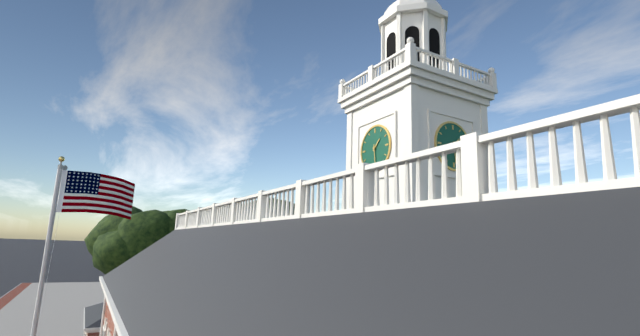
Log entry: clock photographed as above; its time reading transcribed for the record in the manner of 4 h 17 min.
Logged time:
1 h 29 min
